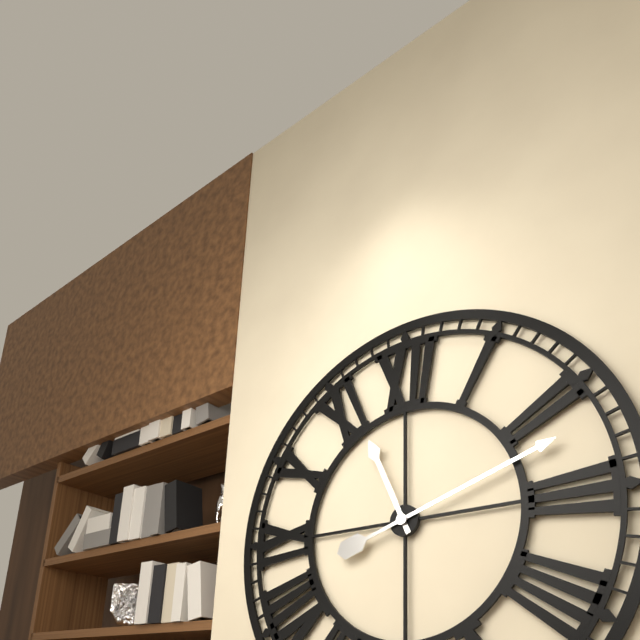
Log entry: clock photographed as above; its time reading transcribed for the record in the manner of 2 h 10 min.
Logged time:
11 h 12 min
